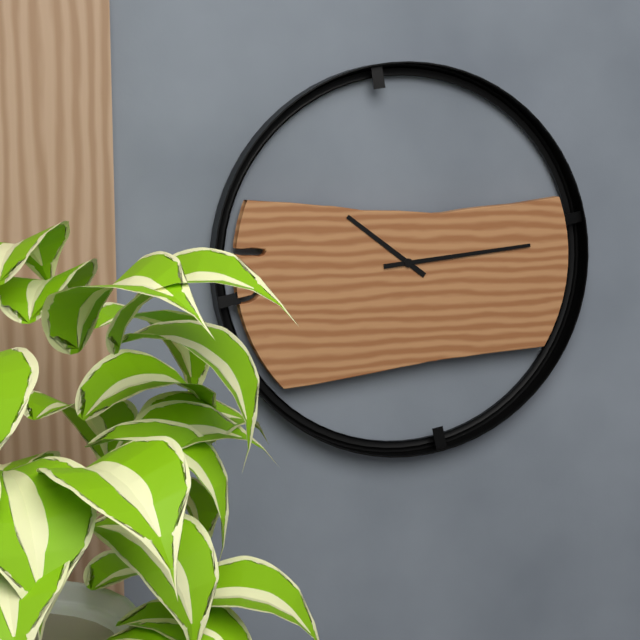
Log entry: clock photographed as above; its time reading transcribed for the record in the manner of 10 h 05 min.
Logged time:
10 h 14 min
